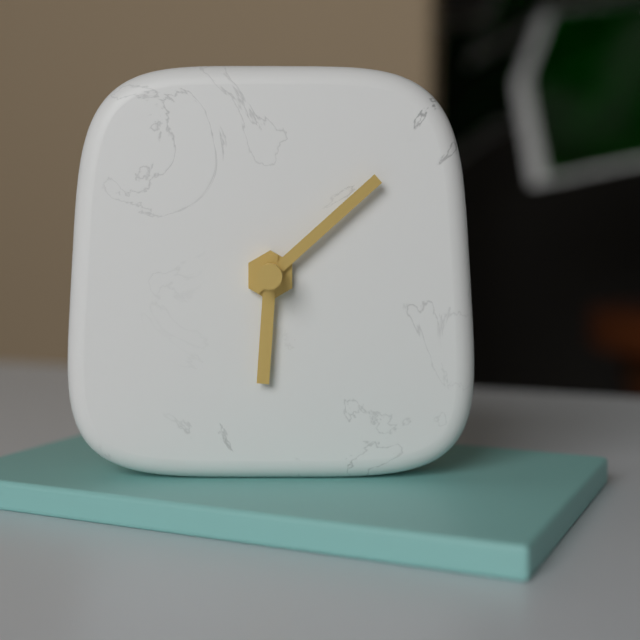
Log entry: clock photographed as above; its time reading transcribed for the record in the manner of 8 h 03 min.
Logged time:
6 h 08 min
